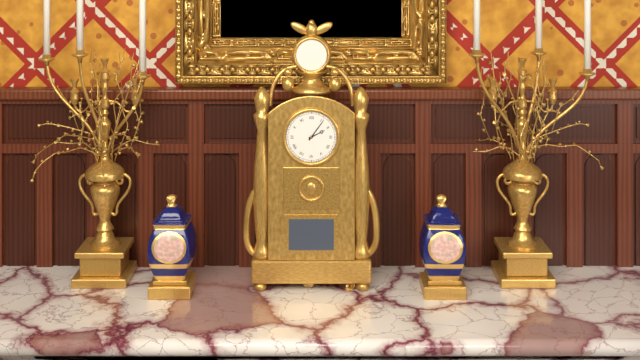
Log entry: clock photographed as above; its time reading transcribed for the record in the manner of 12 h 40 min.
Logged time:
2 h 06 min
